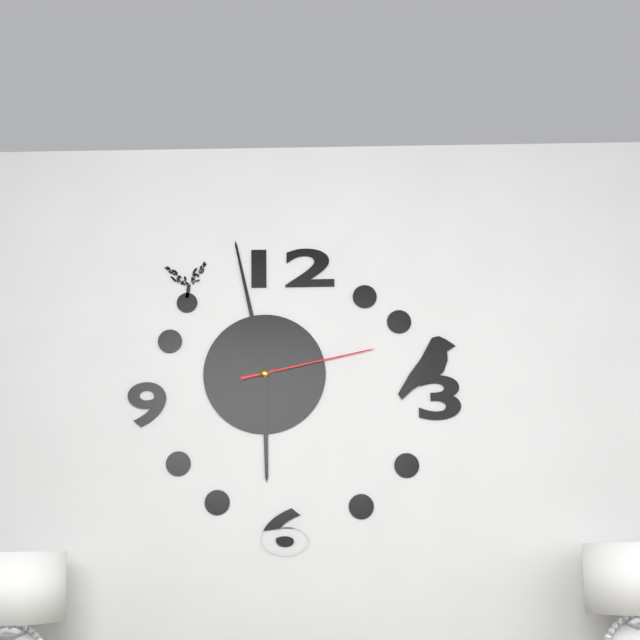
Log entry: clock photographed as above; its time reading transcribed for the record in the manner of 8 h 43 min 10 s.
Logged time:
5 h 58 min 13 s
